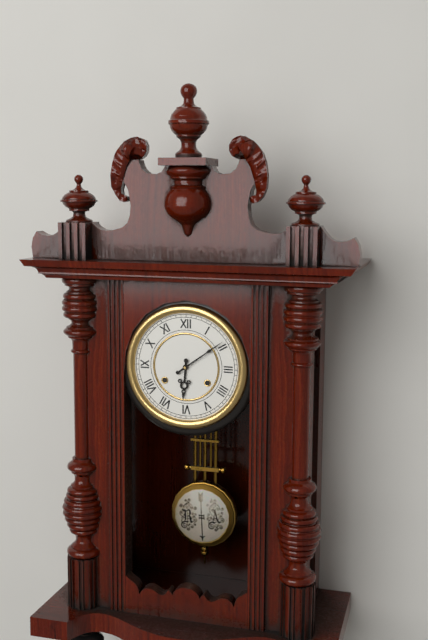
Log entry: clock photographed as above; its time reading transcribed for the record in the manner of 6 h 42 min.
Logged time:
6 h 09 min
